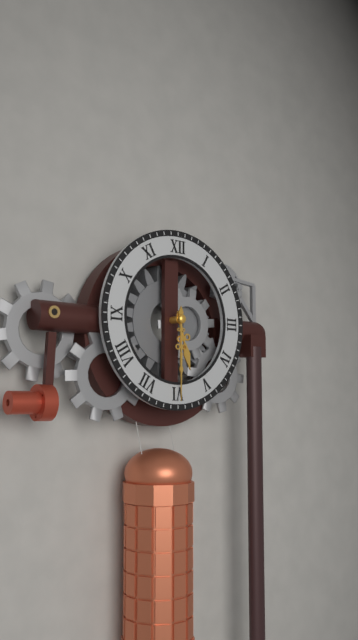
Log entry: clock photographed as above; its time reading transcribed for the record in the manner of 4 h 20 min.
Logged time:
5 h 30 min
